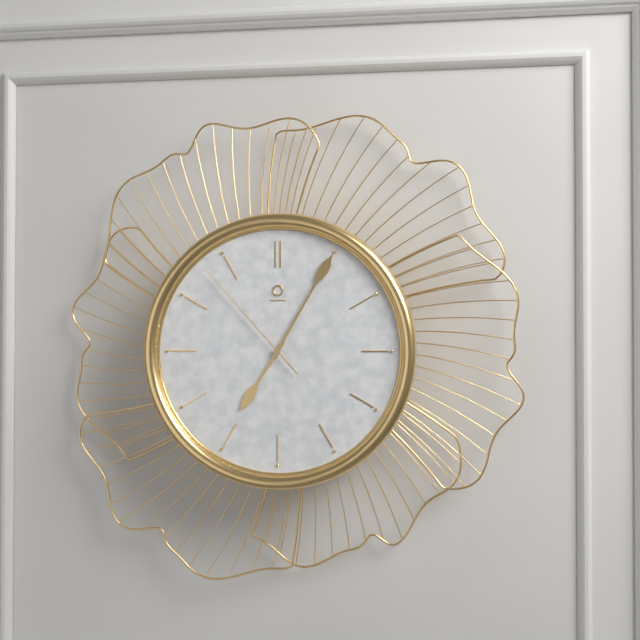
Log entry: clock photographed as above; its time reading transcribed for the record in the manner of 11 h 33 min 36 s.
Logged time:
7 h 05 min 53 s
